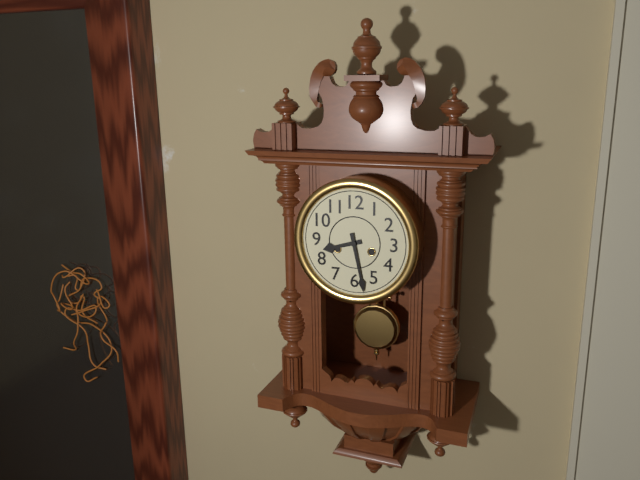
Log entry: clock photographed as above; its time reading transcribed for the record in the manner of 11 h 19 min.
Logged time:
8 h 28 min
